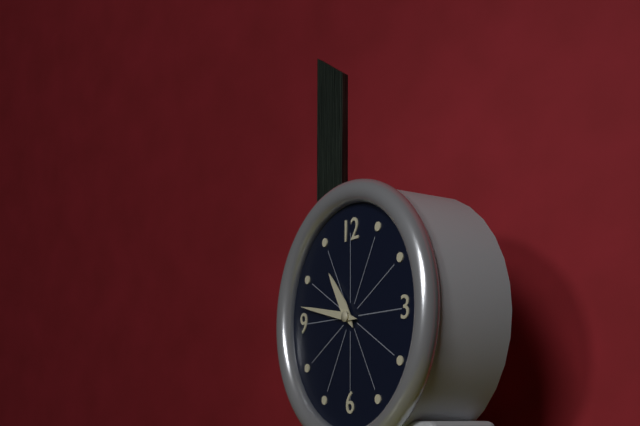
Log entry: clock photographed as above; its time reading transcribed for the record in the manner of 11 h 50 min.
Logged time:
10 h 47 min
